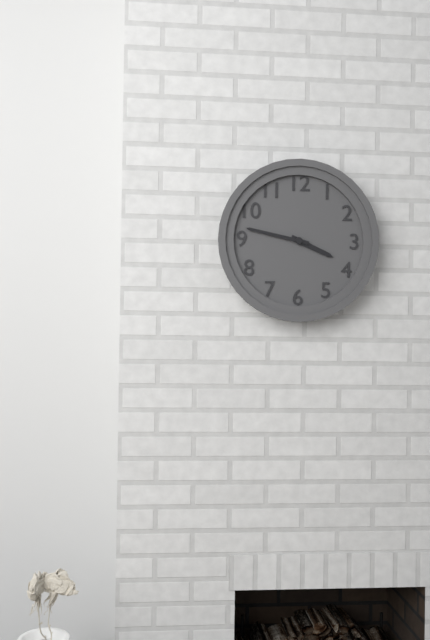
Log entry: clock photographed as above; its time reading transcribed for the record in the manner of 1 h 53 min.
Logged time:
3 h 47 min
